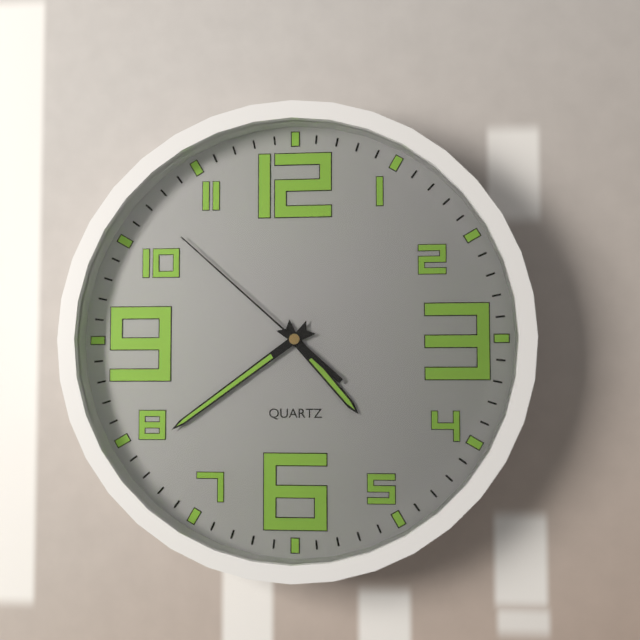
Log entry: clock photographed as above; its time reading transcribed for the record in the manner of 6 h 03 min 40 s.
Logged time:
4 h 39 min 52 s
